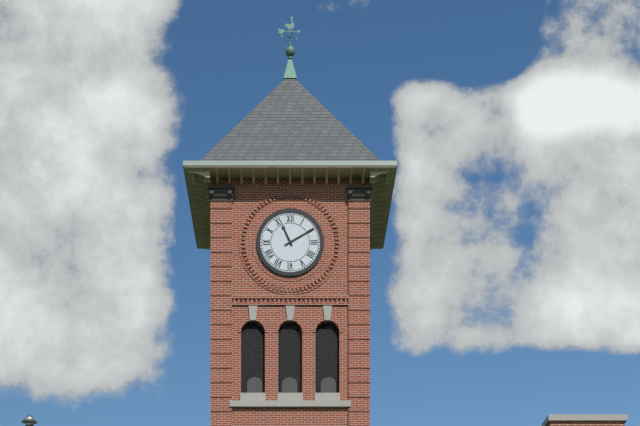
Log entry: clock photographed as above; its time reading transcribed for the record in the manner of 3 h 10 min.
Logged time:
11 h 10 min
